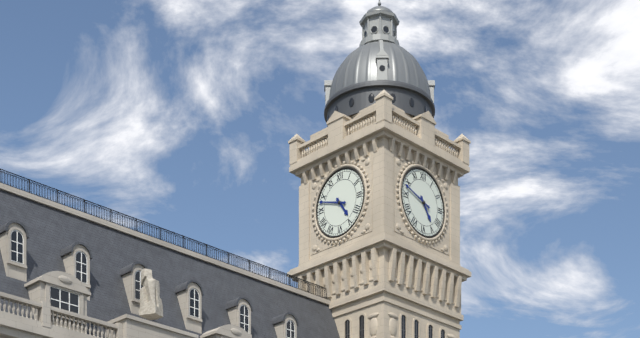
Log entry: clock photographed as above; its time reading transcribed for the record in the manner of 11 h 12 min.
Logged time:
4 h 48 min
